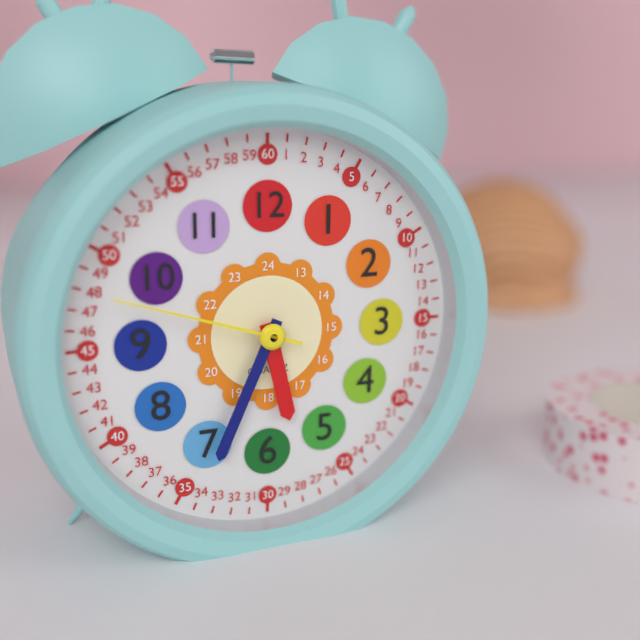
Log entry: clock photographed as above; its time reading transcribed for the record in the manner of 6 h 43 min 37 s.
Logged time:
5 h 34 min 48 s
